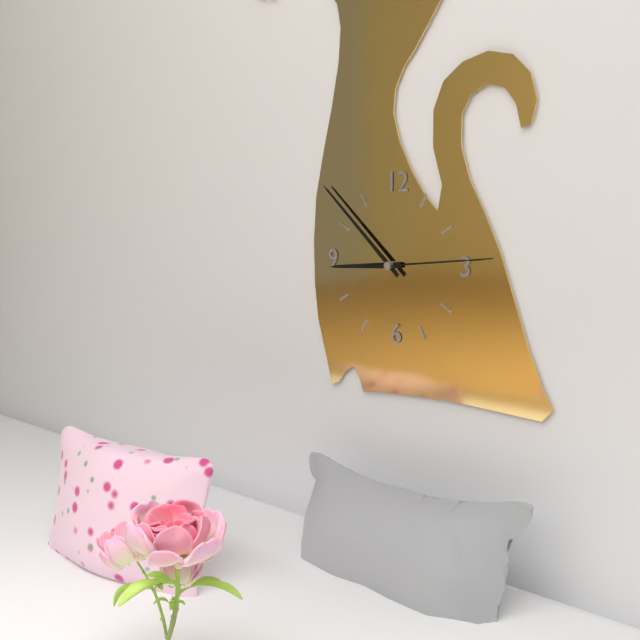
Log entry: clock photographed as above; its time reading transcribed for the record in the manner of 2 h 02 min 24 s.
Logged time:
8 h 52 min 14 s
